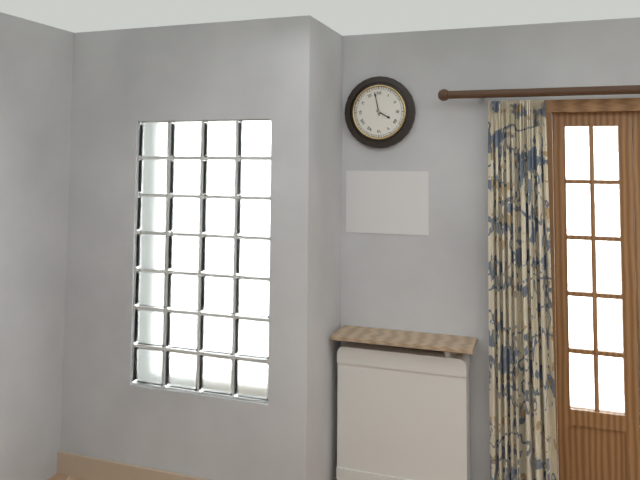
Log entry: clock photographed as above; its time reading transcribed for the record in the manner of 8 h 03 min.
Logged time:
3 h 58 min
